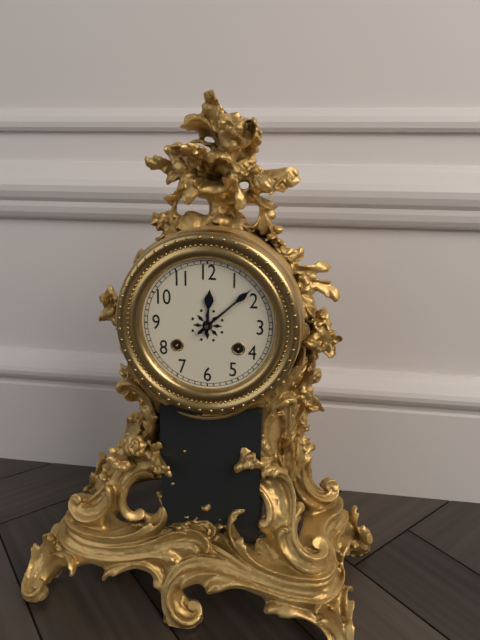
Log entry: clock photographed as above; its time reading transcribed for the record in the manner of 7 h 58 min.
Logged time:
12 h 08 min
